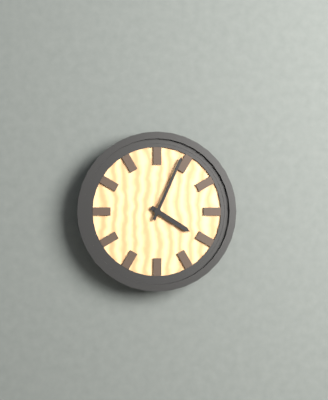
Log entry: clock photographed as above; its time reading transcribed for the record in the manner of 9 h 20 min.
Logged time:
4 h 04 min
